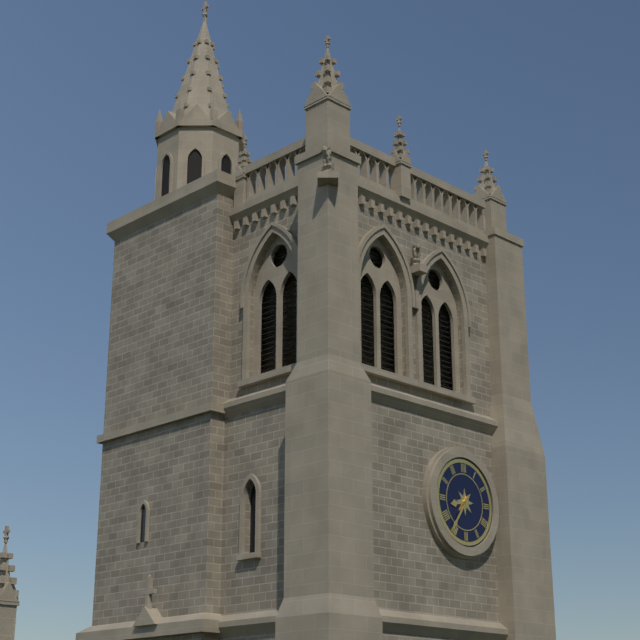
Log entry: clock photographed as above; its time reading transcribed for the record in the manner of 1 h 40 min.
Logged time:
8 h 36 min
